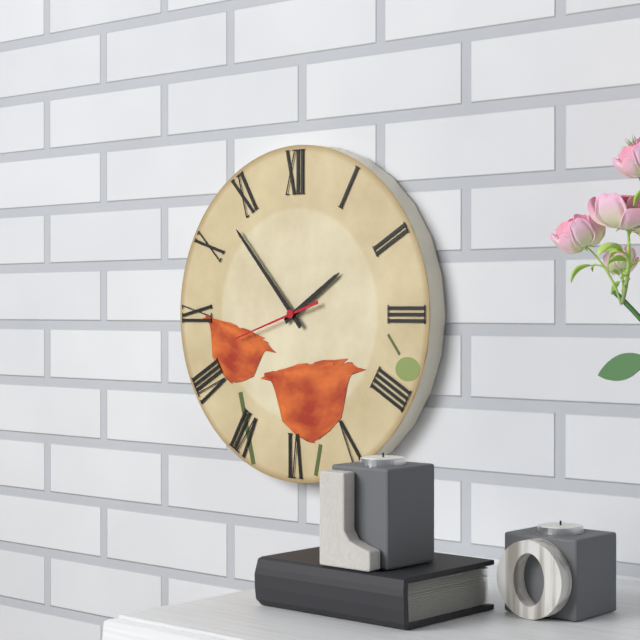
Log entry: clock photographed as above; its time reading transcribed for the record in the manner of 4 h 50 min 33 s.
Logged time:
1 h 53 min 42 s
